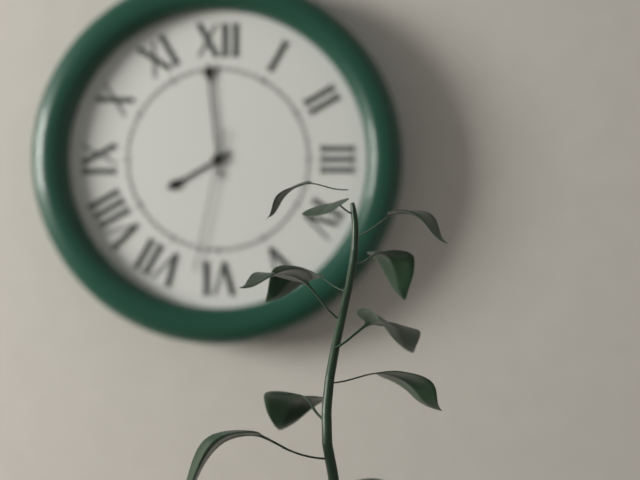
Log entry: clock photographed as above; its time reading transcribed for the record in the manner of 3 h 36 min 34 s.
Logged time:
7 h 59 min 32 s
